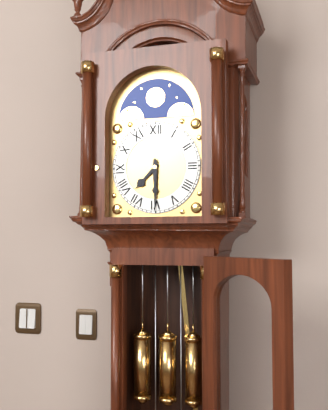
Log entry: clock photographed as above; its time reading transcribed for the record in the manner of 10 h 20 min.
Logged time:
7 h 30 min
